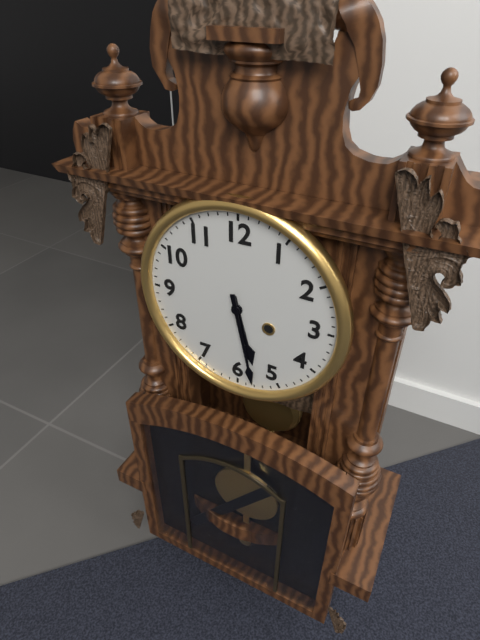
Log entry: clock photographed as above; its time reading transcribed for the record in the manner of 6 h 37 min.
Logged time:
5 h 28 min
